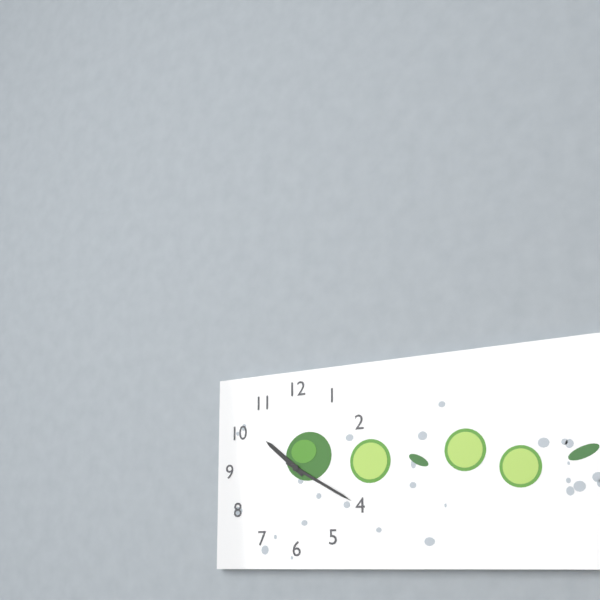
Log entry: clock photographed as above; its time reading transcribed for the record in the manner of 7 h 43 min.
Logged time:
10 h 20 min
